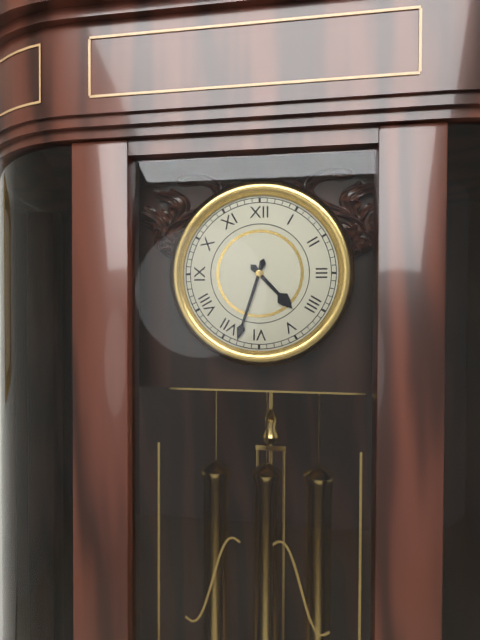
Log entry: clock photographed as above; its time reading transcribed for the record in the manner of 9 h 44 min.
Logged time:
4 h 33 min
